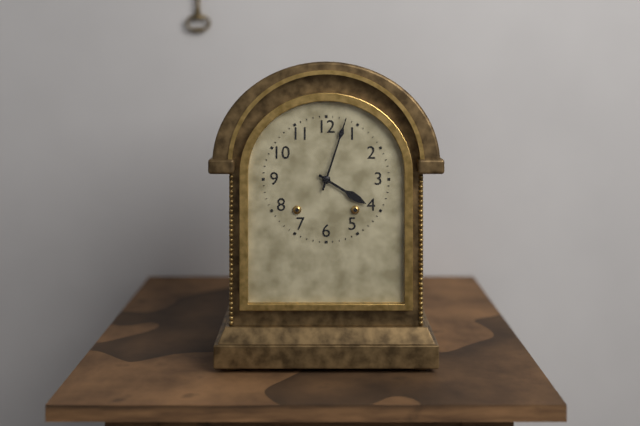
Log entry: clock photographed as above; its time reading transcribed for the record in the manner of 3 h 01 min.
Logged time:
4 h 03 min
